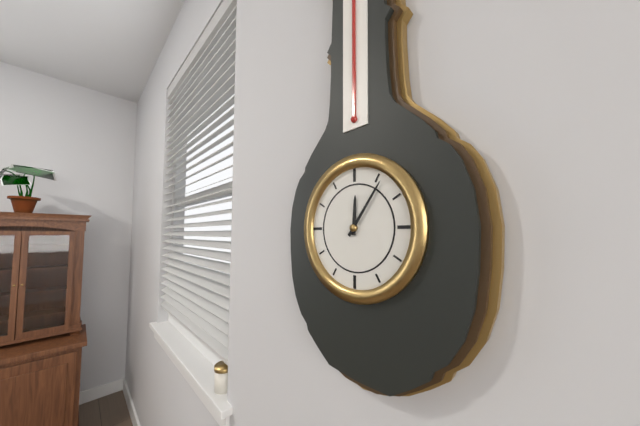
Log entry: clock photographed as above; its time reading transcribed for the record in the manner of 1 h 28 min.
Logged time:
12 h 06 min
